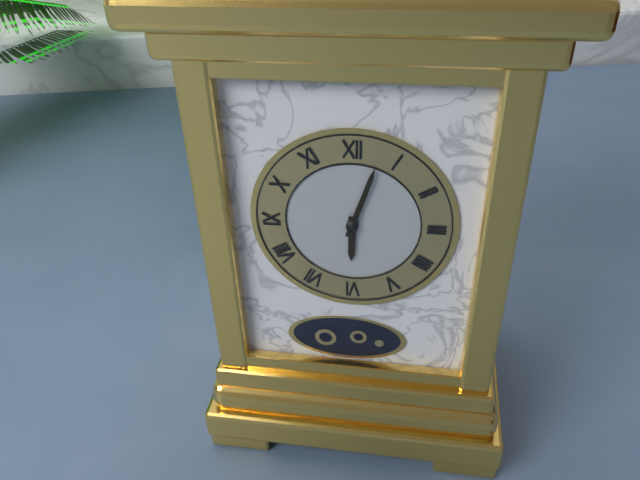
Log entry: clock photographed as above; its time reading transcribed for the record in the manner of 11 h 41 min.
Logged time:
6 h 03 min
